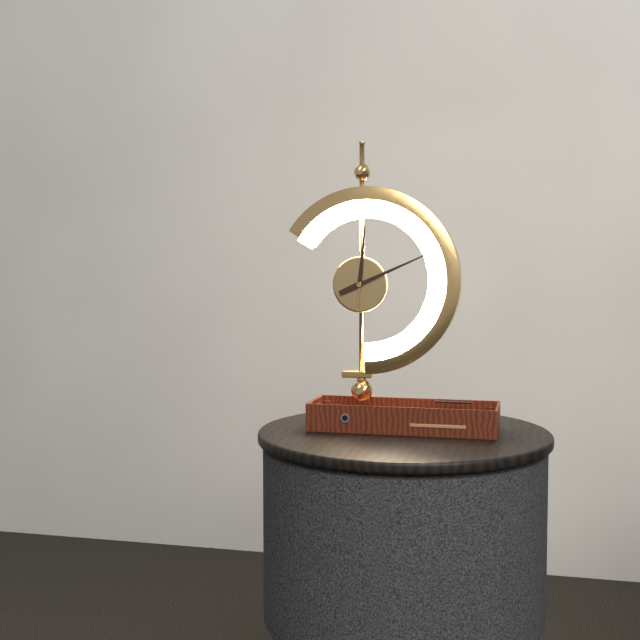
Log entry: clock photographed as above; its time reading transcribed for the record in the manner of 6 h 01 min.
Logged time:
12 h 11 min
